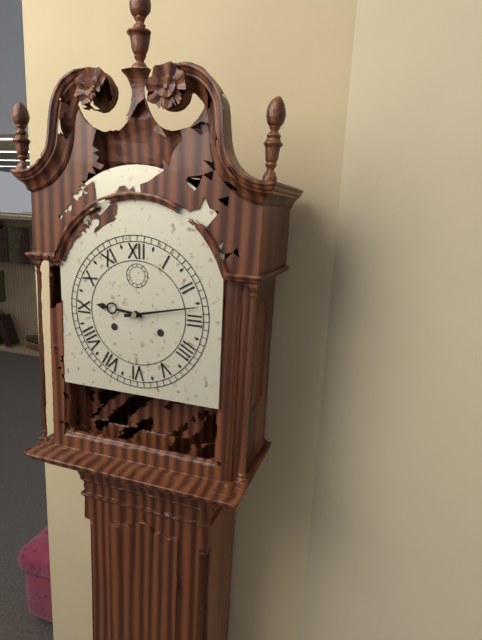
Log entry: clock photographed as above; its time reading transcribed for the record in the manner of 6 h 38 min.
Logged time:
9 h 13 min
